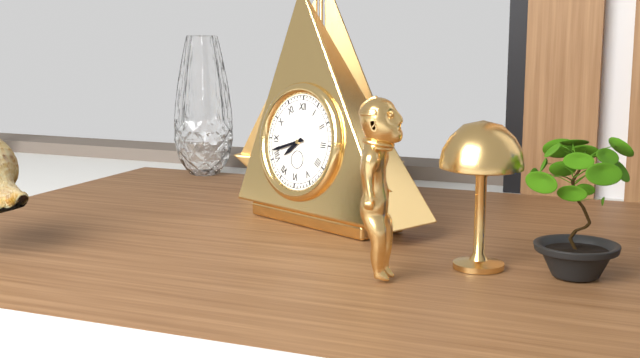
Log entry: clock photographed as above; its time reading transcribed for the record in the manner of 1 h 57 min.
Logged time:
7 h 42 min
